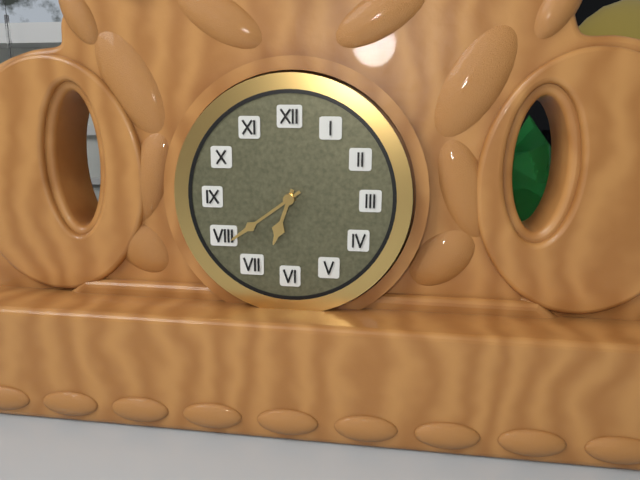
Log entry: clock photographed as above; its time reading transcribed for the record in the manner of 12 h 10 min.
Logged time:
6 h 39 min
